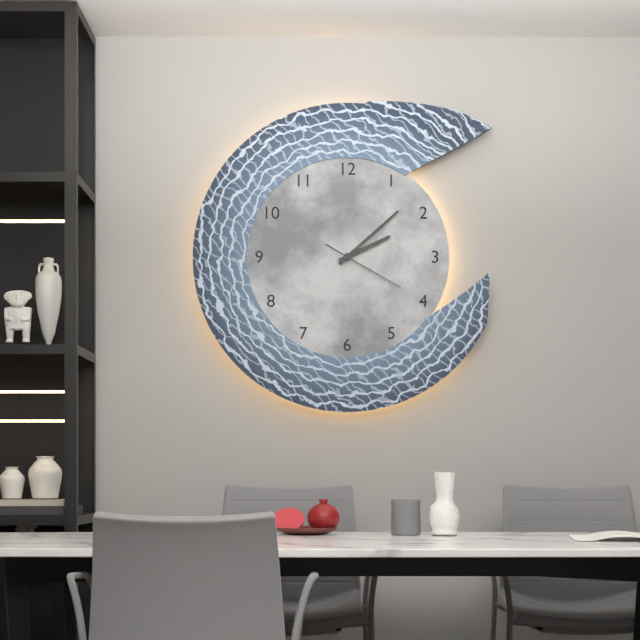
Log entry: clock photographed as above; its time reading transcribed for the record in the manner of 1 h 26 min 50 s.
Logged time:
2 h 08 min 20 s
